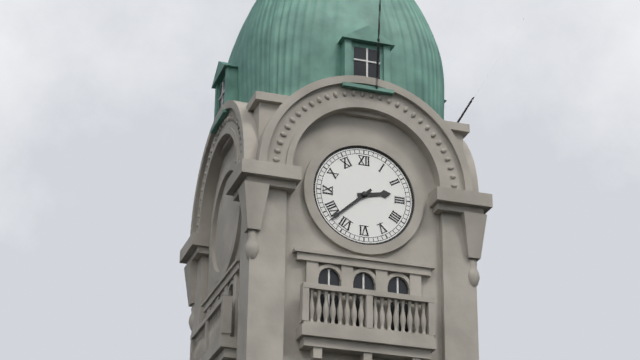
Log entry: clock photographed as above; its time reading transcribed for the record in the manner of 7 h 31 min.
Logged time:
2 h 38 min
